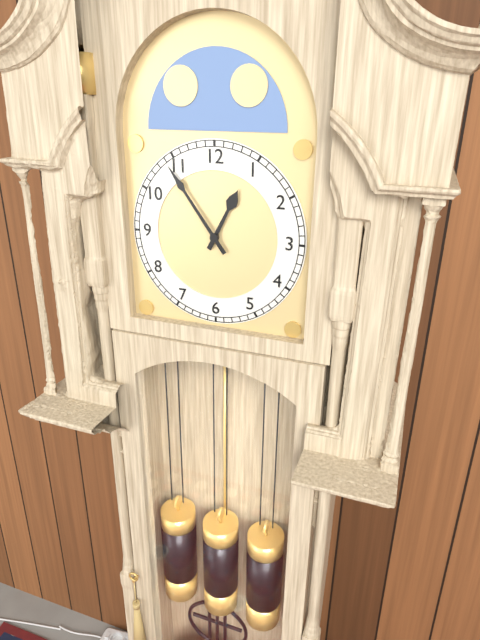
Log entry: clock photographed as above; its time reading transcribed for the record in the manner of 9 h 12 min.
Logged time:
12 h 54 min
